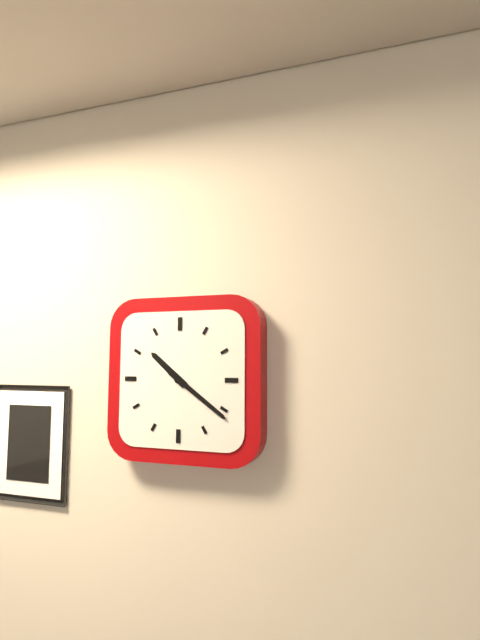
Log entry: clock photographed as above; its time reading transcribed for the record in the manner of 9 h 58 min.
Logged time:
10 h 21 min
